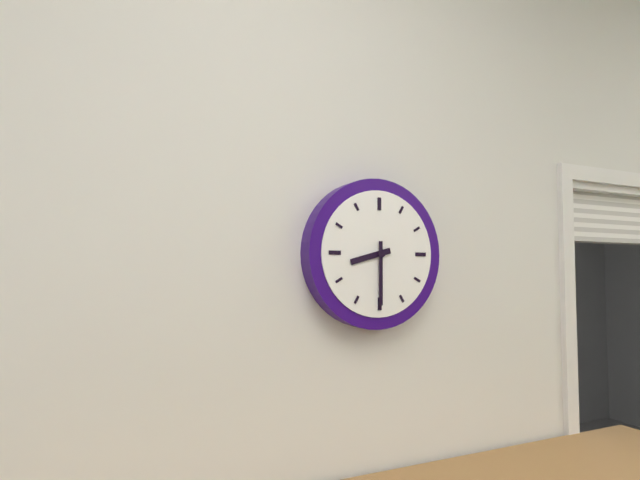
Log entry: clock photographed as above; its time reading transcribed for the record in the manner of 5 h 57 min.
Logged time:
8 h 30 min
